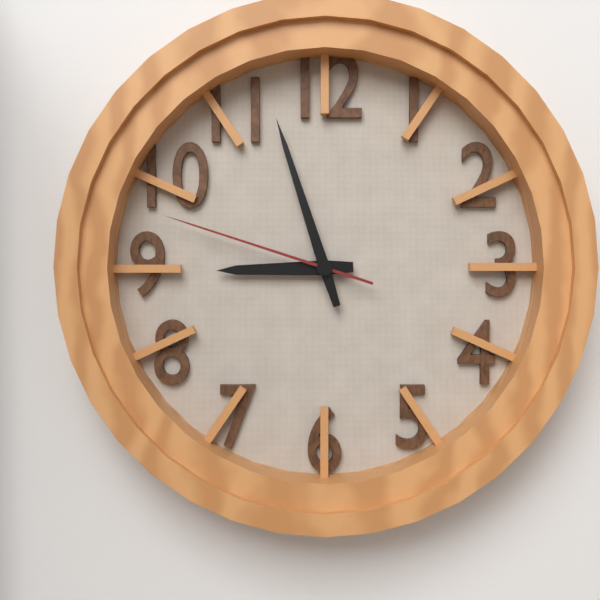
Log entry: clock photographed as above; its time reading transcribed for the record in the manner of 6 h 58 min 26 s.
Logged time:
8 h 57 min 48 s
